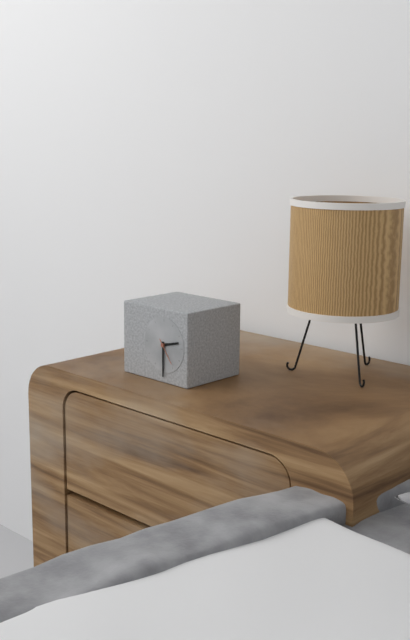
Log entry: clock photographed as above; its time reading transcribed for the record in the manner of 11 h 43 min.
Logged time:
2 h 30 min
